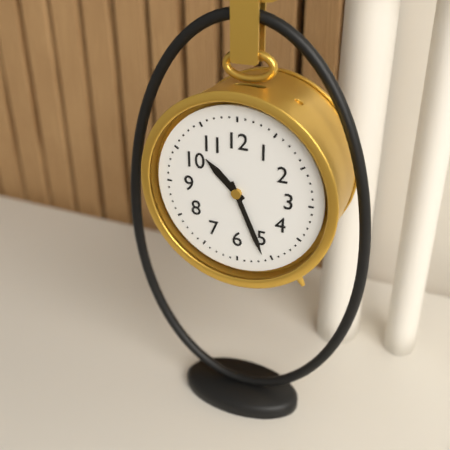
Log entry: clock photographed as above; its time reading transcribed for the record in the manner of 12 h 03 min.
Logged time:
10 h 26 min
